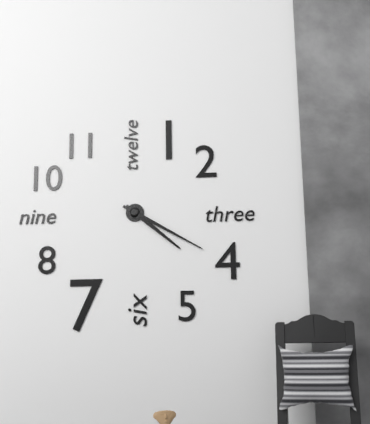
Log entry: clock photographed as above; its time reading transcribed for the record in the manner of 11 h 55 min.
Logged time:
4 h 20 min
